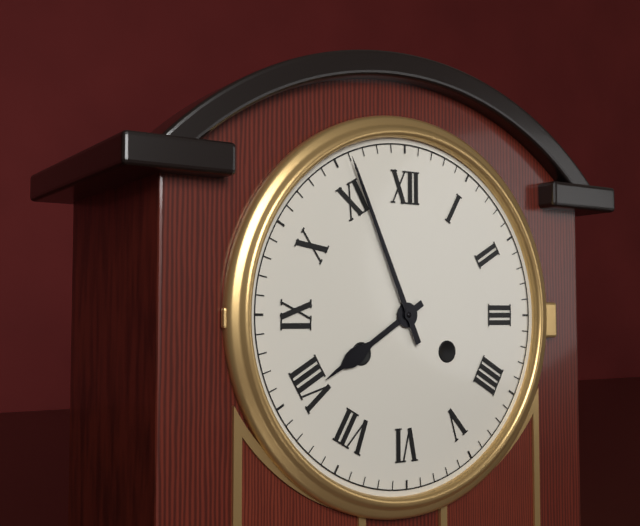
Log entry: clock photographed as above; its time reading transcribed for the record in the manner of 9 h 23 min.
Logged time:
7 h 56 min
